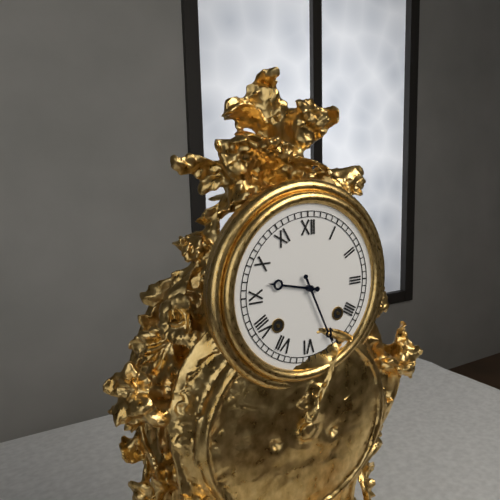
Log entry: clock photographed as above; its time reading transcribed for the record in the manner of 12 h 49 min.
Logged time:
9 h 26 min
